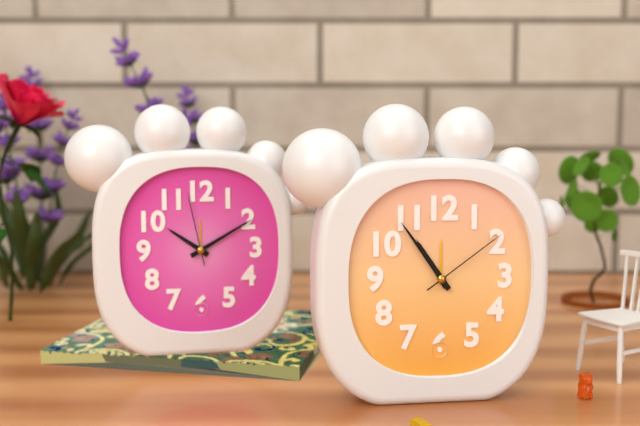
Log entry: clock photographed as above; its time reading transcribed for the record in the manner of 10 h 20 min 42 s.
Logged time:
10 h 54 min 09 s
